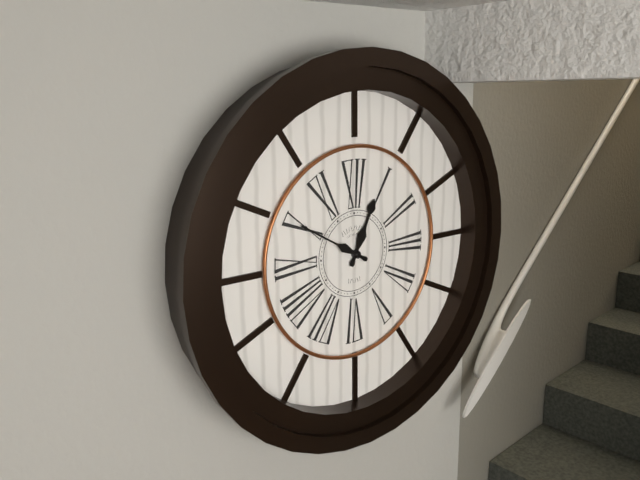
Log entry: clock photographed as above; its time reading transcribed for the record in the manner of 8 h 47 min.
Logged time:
12 h 50 min
